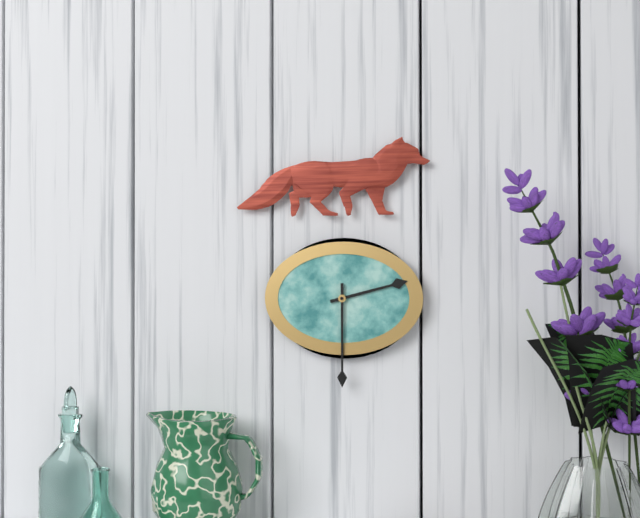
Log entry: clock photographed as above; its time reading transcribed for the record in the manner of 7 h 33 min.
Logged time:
2 h 30 min
